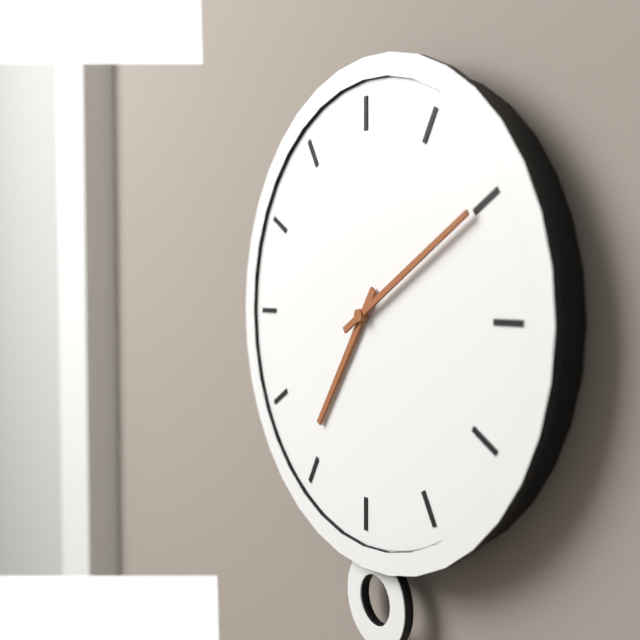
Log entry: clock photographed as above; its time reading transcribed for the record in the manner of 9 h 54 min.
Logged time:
7 h 10 min
